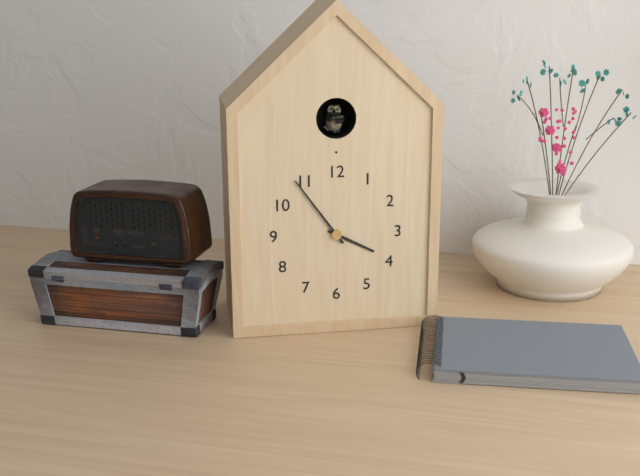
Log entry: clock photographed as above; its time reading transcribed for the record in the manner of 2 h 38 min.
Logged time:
3 h 54 min
